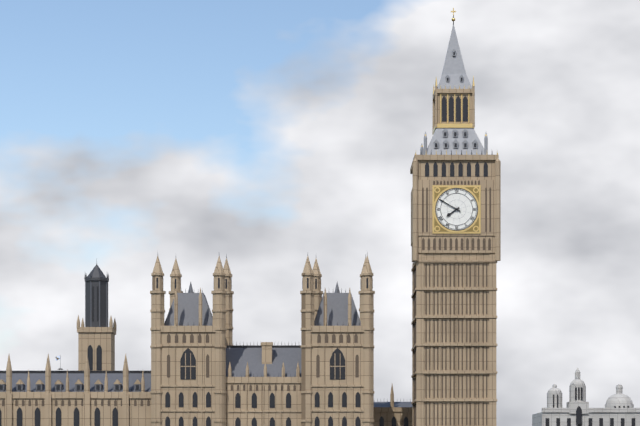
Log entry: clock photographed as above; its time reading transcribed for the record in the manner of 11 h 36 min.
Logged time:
7 h 50 min
